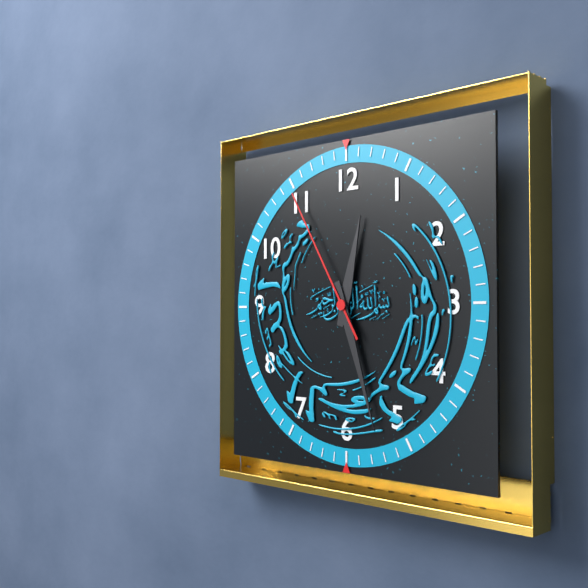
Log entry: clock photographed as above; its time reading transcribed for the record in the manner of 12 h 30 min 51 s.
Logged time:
12 h 27 min 55 s
